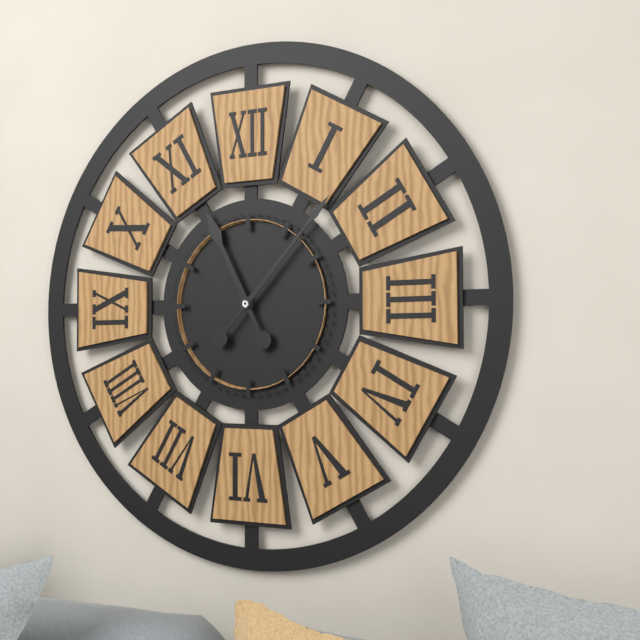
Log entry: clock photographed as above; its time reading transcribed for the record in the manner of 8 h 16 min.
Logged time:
11 h 07 min
